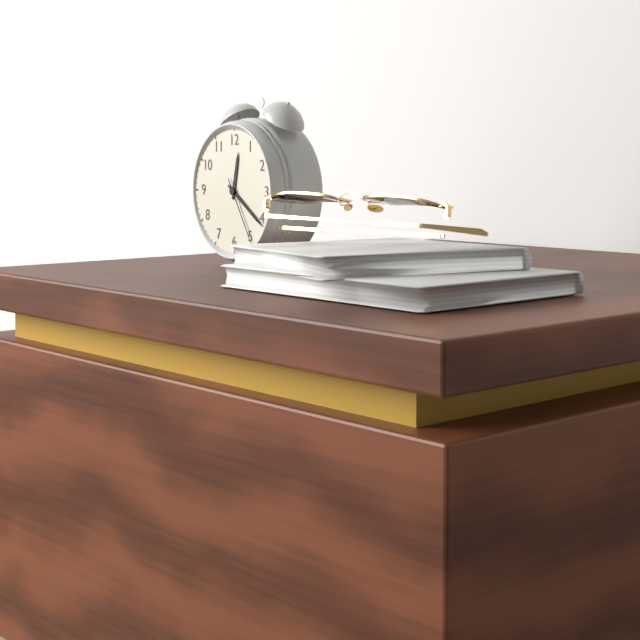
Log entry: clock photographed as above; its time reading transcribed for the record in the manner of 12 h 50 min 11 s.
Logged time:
12 h 21 min 25 s
